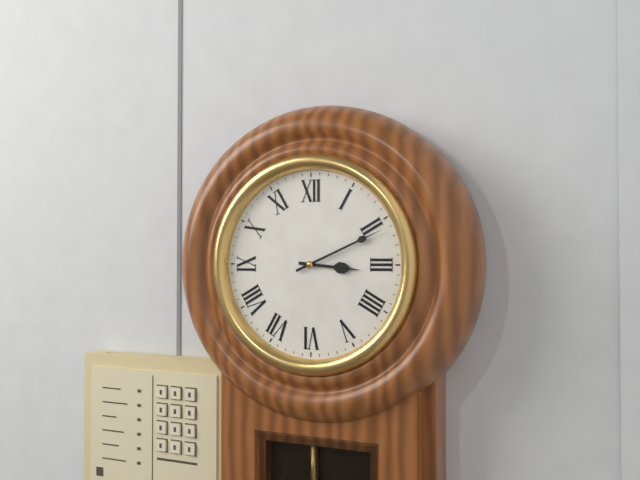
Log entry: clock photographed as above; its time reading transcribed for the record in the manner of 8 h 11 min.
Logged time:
3 h 11 min
